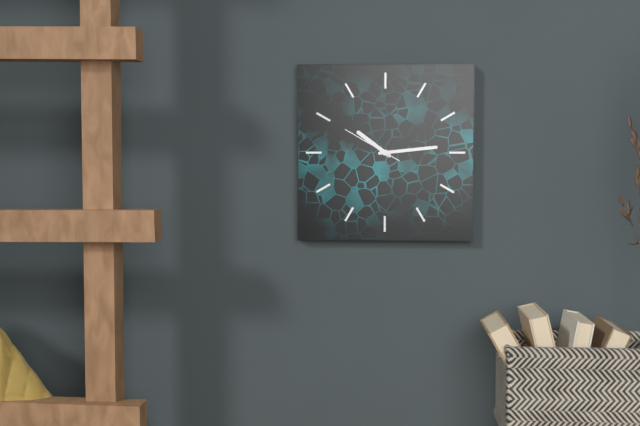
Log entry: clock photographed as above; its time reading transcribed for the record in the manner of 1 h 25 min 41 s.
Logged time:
10 h 14 min 50 s
